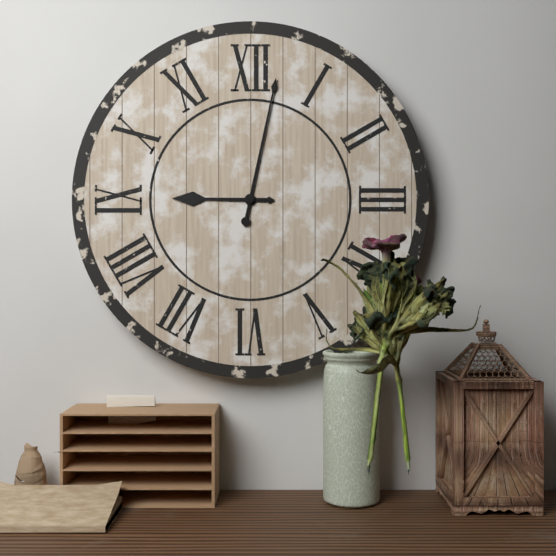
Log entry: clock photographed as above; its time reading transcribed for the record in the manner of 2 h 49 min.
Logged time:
9 h 02 min
